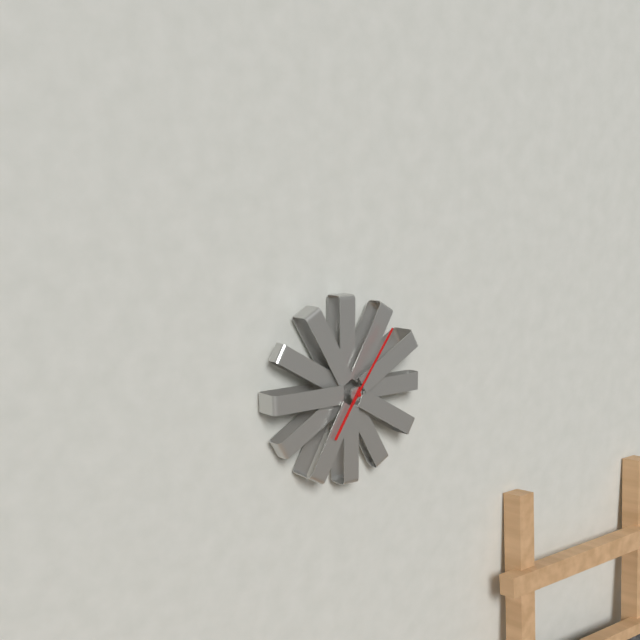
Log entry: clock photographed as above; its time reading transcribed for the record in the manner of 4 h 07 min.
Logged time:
7 h 06 min
